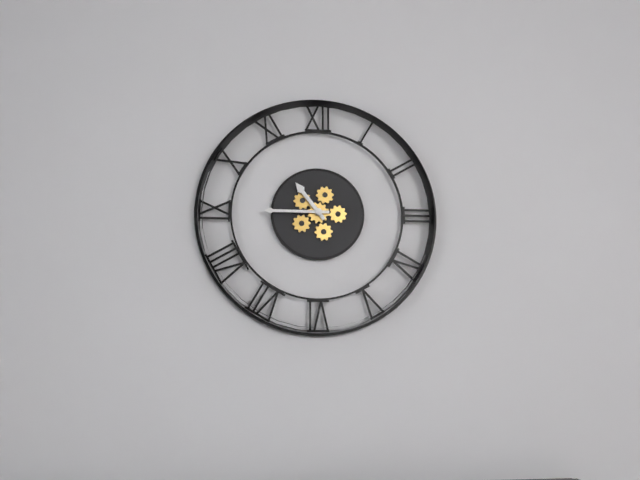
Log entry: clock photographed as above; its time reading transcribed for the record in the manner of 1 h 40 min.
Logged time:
10 h 45 min
